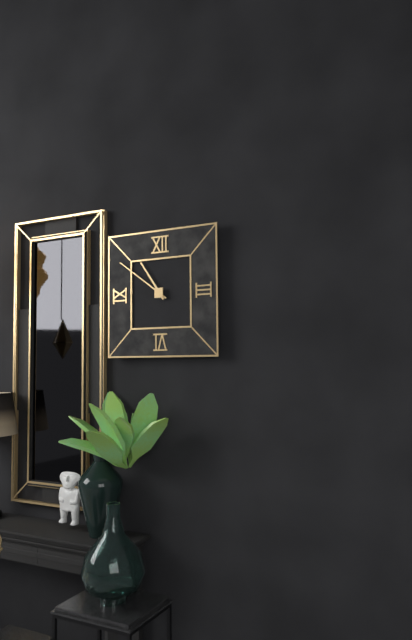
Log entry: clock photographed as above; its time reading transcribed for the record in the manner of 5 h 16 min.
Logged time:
10 h 51 min
